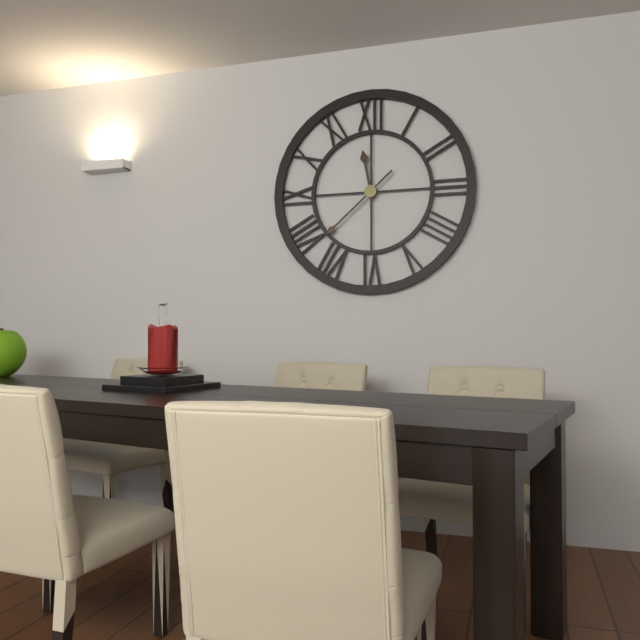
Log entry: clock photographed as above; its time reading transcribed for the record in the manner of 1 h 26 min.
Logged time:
11 h 38 min
